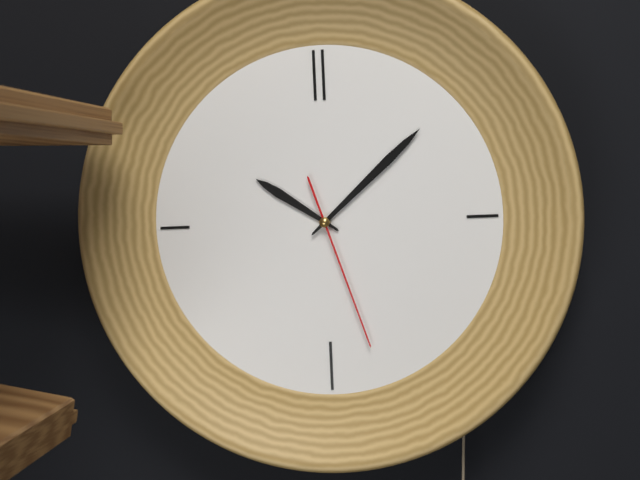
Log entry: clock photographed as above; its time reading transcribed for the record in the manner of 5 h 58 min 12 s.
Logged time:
10 h 08 min 27 s
